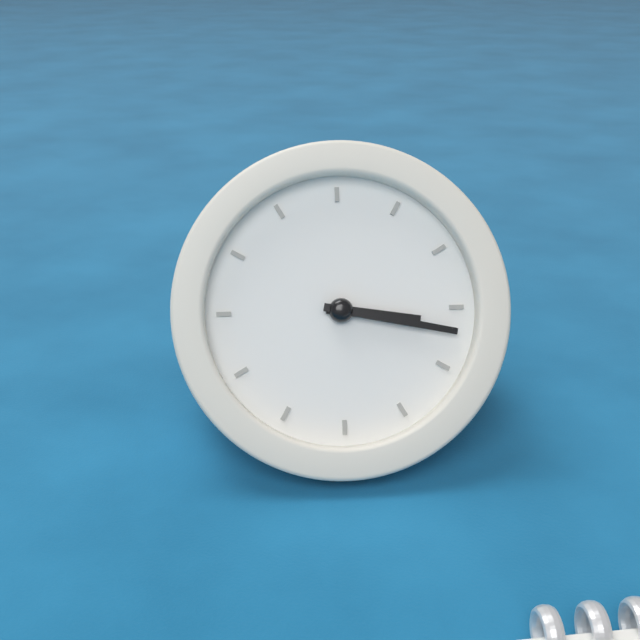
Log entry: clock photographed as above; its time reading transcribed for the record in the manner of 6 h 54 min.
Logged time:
3 h 17 min
